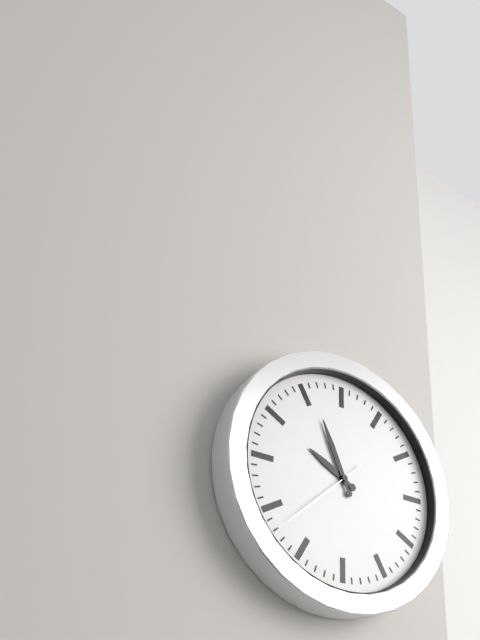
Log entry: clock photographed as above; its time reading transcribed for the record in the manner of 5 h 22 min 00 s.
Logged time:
9 h 56 min 38 s
